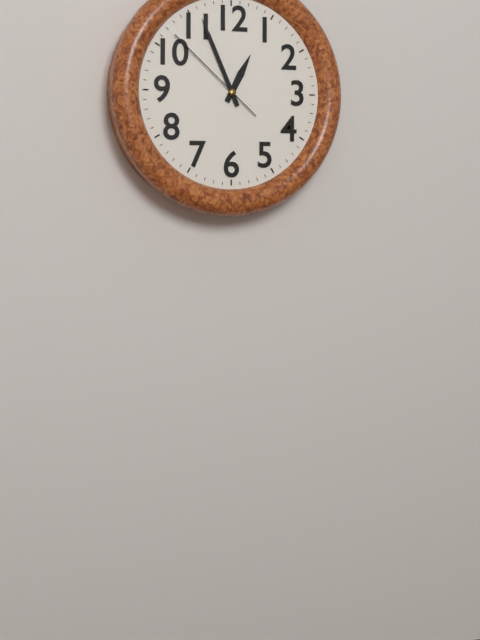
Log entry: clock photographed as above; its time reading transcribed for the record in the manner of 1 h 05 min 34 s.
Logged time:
12 h 56 min 52 s
